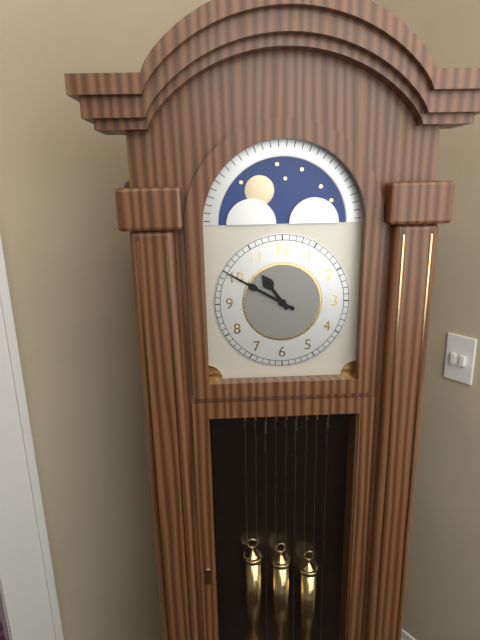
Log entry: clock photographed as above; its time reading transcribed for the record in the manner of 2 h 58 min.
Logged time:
10 h 50 min
